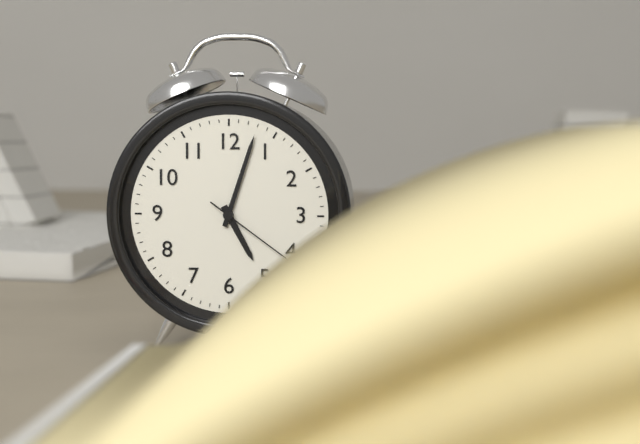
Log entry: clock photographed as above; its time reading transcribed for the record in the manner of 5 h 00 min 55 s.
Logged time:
5 h 03 min 21 s
